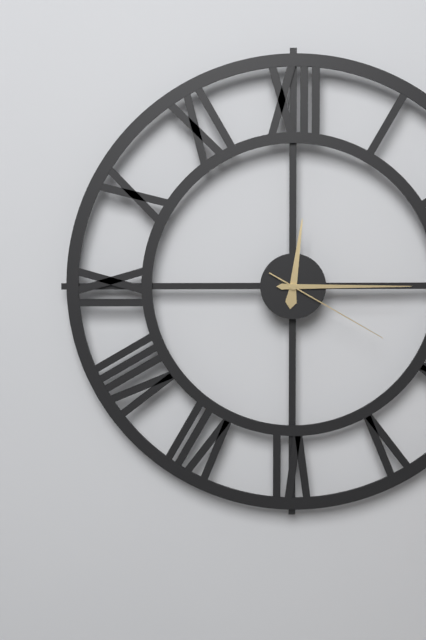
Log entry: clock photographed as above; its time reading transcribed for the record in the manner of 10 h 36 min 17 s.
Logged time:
12 h 15 min 20 s
